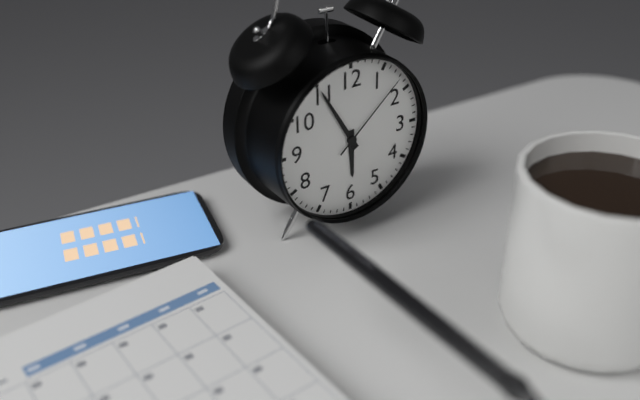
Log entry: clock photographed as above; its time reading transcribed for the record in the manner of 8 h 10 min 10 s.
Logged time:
5 h 55 min 08 s
